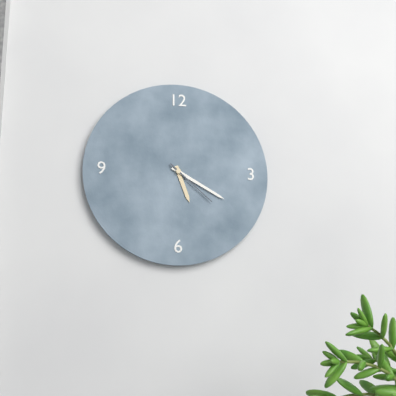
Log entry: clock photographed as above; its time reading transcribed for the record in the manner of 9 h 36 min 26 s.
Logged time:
5 h 20 min 22 s
